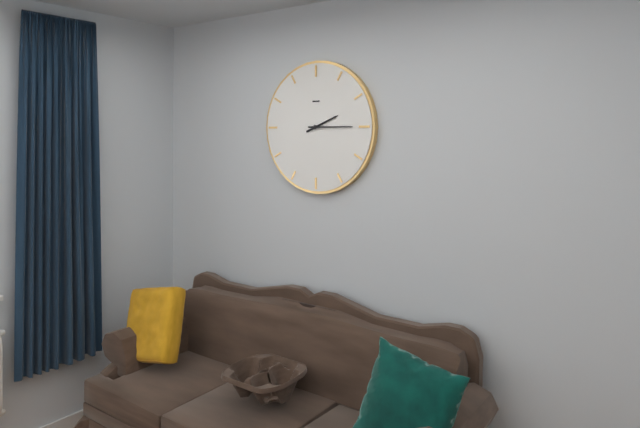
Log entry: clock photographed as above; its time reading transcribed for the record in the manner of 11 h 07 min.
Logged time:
2 h 15 min
